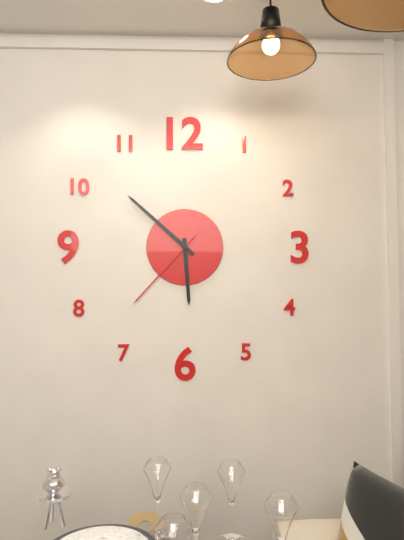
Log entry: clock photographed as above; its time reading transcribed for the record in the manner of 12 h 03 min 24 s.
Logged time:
5 h 52 min 37 s
